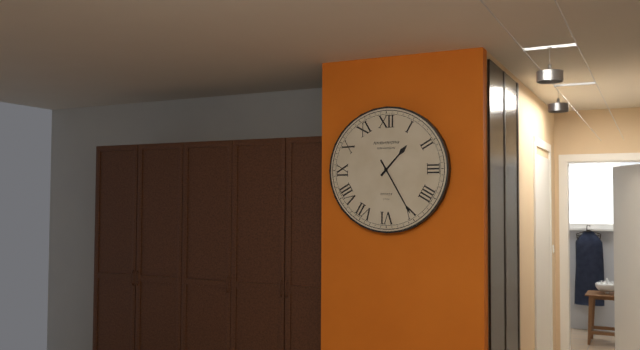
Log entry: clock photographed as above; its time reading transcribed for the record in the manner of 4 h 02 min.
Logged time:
1 h 25 min
